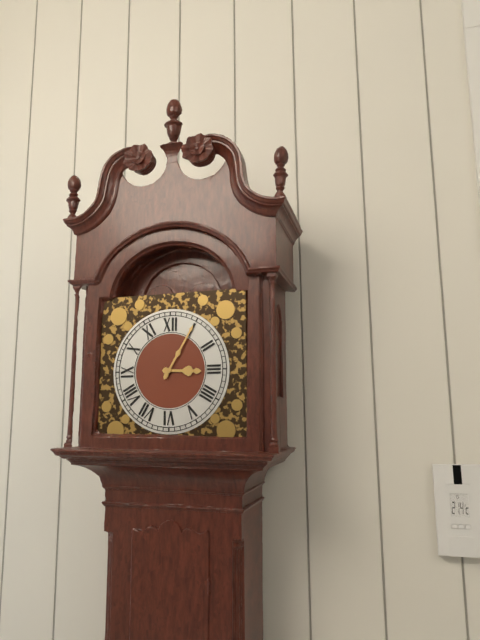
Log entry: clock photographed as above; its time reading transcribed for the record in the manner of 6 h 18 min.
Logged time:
3 h 05 min
